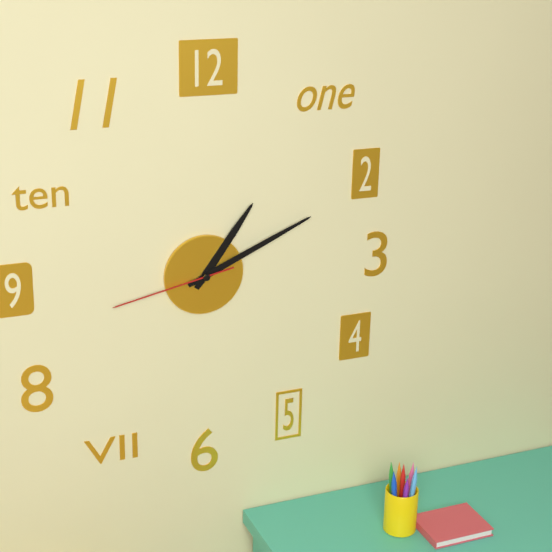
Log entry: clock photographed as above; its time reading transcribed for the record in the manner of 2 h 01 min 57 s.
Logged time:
1 h 11 min 43 s
